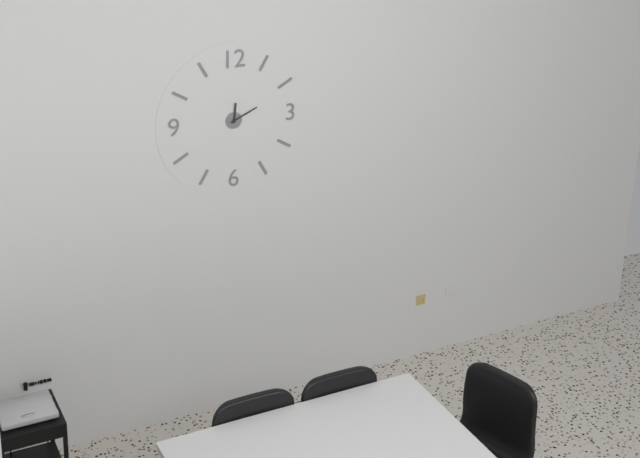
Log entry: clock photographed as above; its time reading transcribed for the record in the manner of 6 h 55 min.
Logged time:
12 h 11 min
